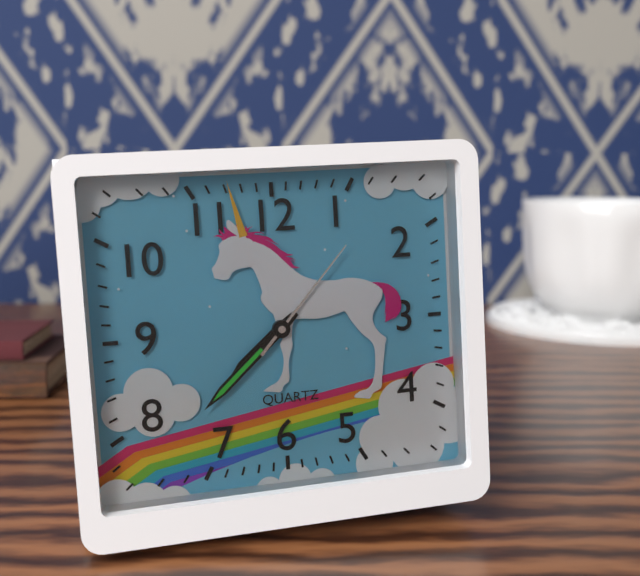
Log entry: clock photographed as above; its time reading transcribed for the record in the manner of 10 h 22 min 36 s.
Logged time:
7 h 38 min 07 s
